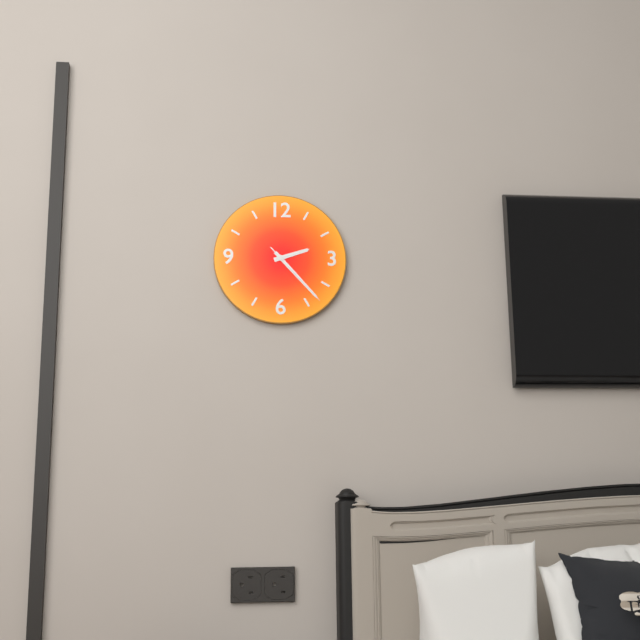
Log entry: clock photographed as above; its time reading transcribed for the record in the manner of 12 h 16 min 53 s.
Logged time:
2 h 23 min 23 s
